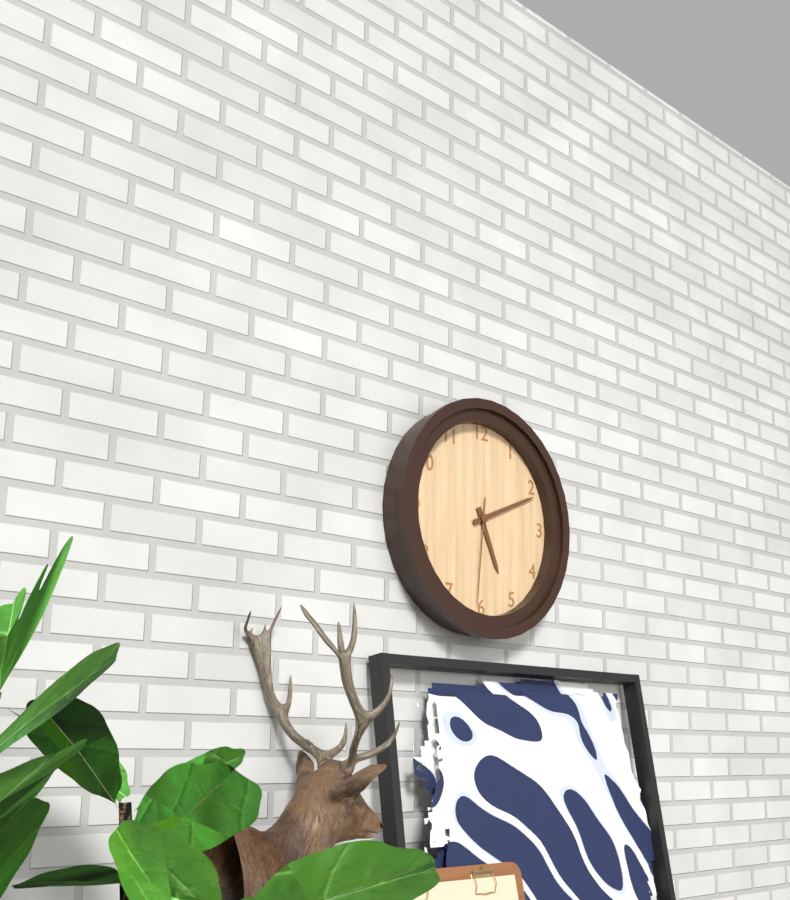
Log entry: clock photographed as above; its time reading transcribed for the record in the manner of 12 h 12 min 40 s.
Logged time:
5 h 11 min 31 s
